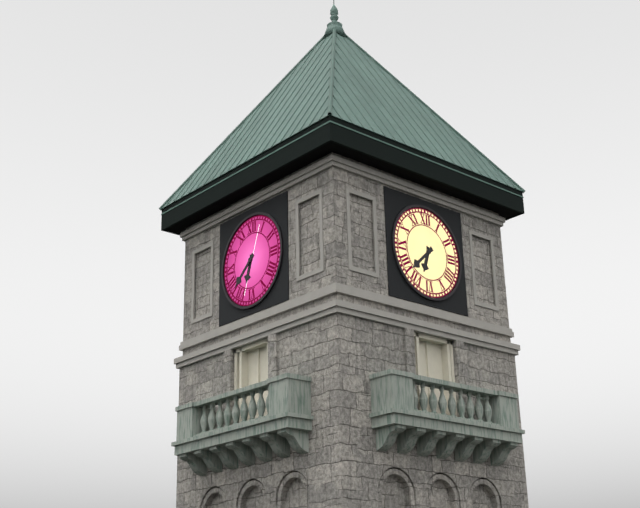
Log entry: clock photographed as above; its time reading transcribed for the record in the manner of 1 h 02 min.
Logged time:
6 h 38 min
